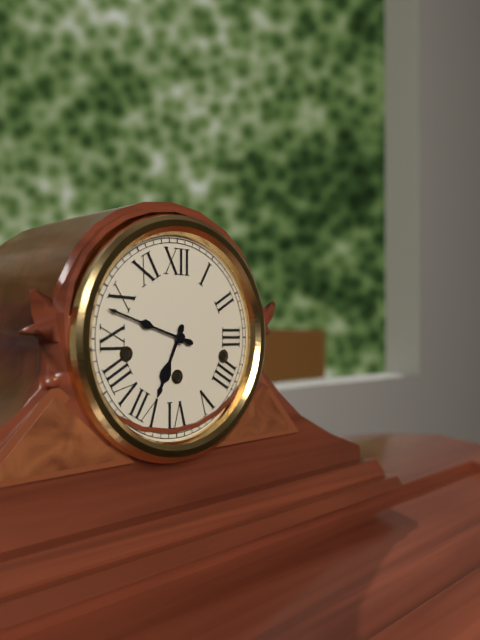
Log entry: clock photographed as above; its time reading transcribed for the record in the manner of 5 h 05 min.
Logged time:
6 h 48 min
